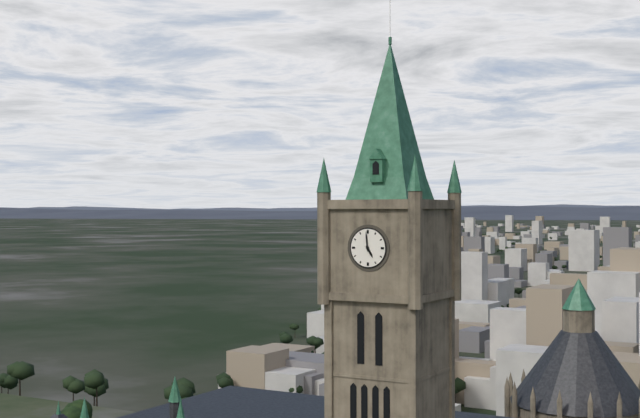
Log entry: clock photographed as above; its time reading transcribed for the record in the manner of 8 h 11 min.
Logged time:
4 h 59 min
